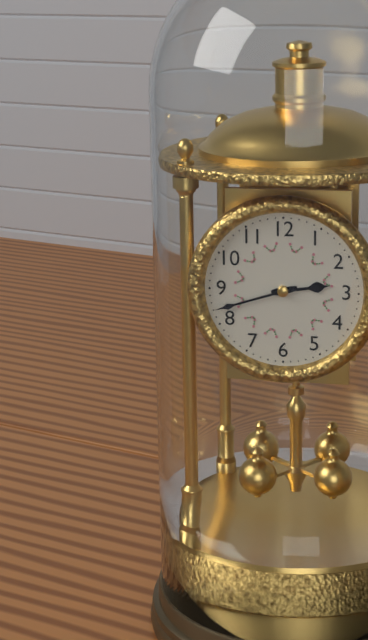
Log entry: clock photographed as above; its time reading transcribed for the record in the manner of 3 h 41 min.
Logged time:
2 h 42 min
